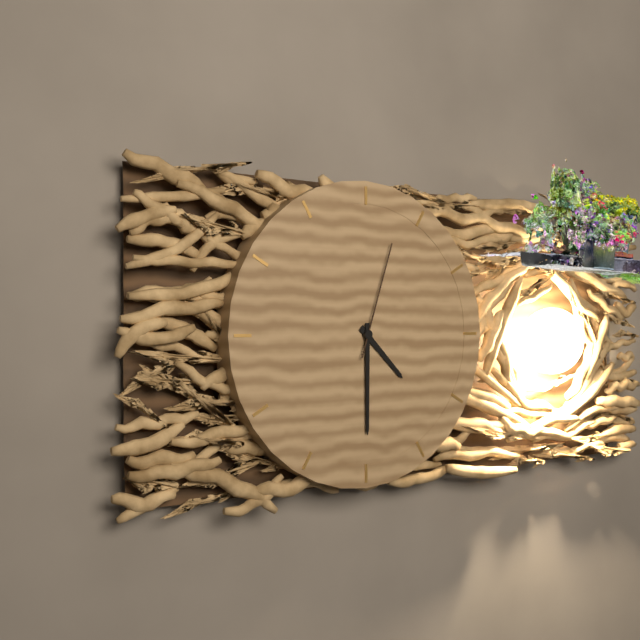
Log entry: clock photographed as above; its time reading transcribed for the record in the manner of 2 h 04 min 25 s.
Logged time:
4 h 30 min 03 s
